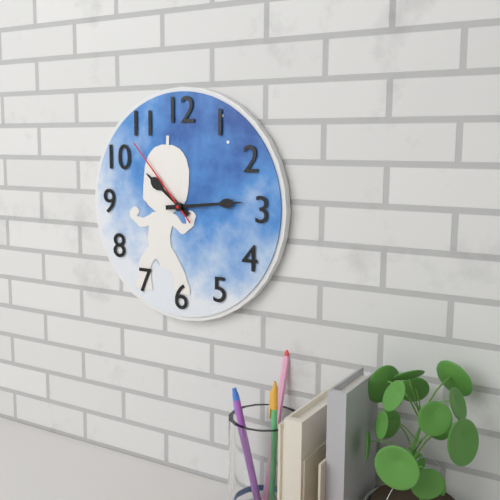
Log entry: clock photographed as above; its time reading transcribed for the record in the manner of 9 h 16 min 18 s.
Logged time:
10 h 14 min 53 s
